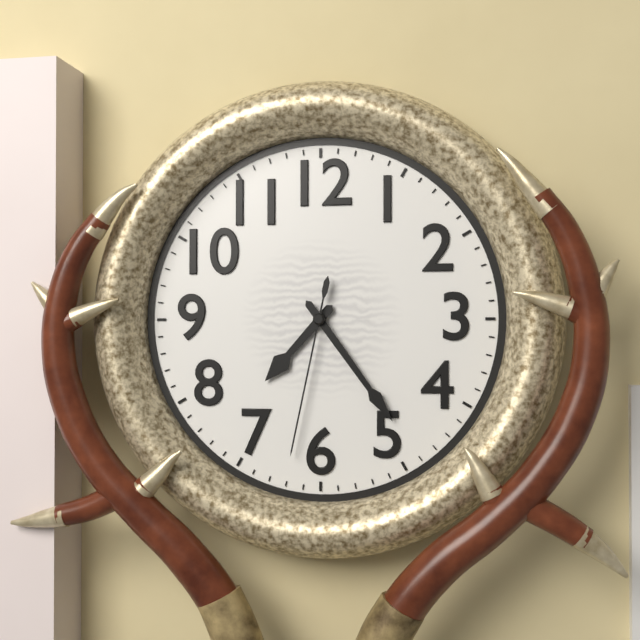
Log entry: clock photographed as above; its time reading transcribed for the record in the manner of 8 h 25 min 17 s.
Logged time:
7 h 24 min 32 s
